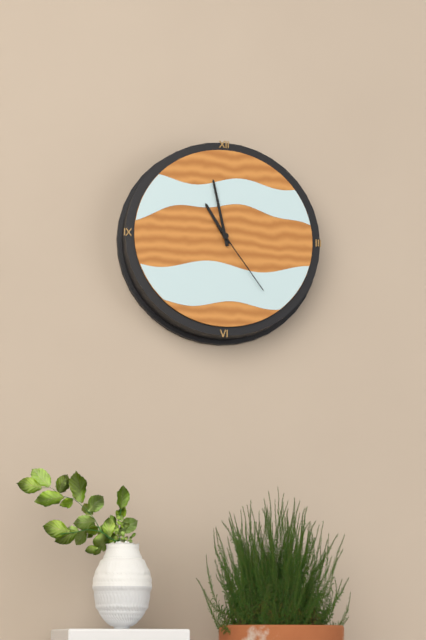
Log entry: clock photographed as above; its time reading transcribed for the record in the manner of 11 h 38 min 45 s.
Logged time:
10 h 58 min 24 s
